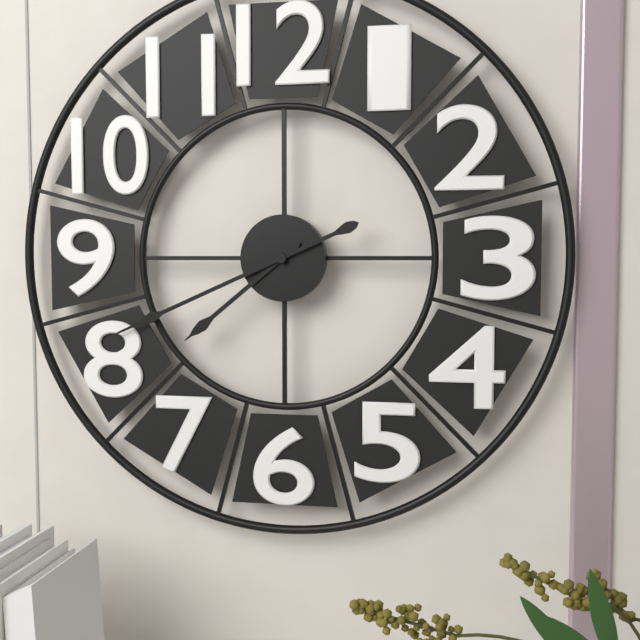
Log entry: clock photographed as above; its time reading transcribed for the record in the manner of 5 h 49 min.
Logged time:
7 h 41 min
